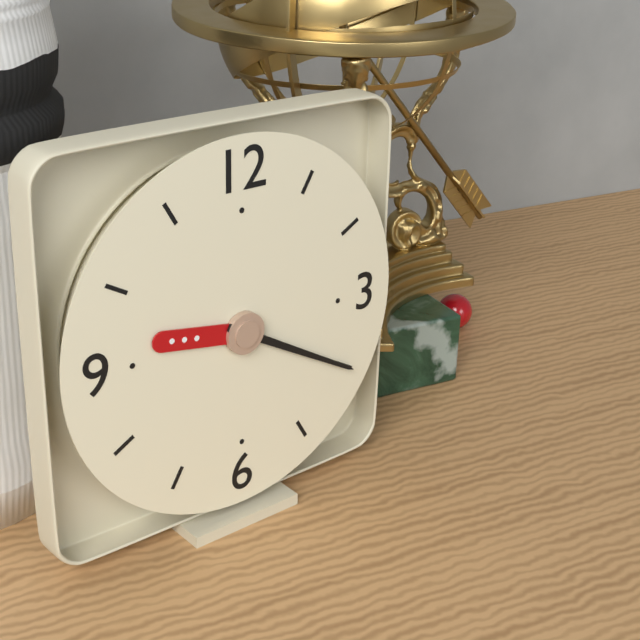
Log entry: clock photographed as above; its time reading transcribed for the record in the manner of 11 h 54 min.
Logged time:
9 h 20 min
